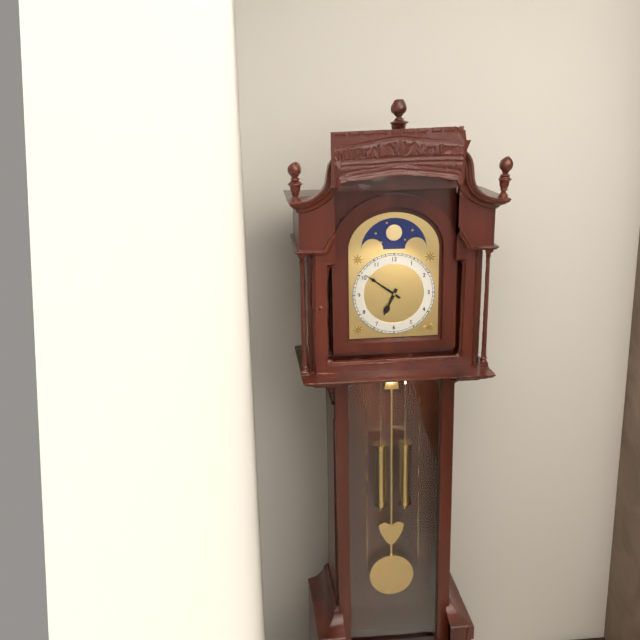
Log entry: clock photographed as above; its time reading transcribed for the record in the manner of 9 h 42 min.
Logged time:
6 h 51 min
